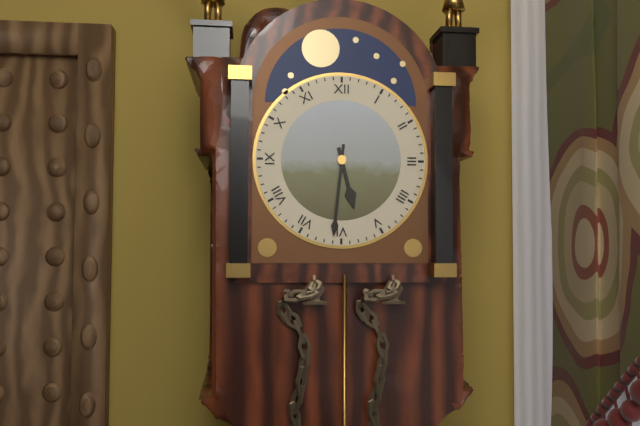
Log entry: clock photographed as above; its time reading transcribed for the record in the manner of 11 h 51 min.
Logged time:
5 h 31 min
